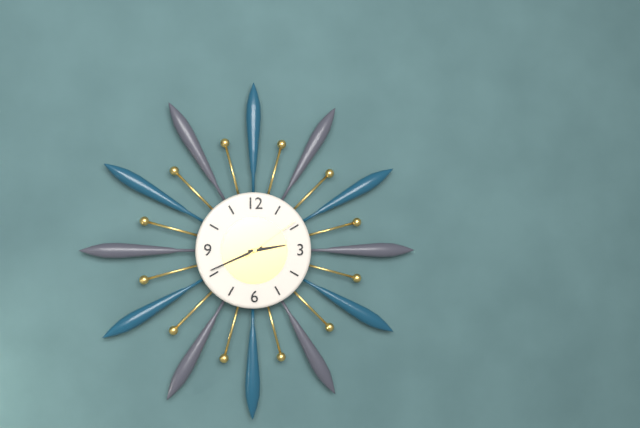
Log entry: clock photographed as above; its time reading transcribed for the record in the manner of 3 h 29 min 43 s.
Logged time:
2 h 41 min 09 s
